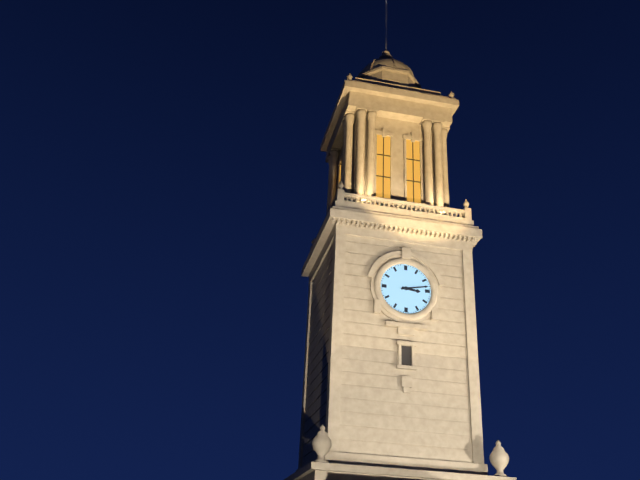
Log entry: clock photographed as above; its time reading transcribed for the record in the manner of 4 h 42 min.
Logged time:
3 h 13 min
